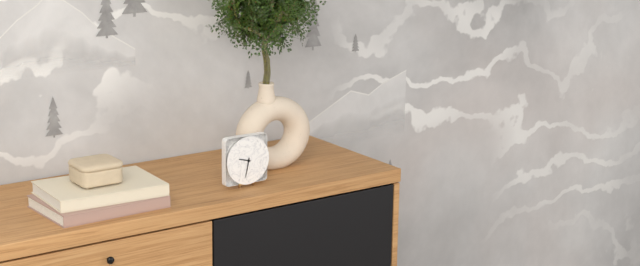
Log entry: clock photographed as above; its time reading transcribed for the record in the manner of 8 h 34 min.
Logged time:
9 h 32 min
